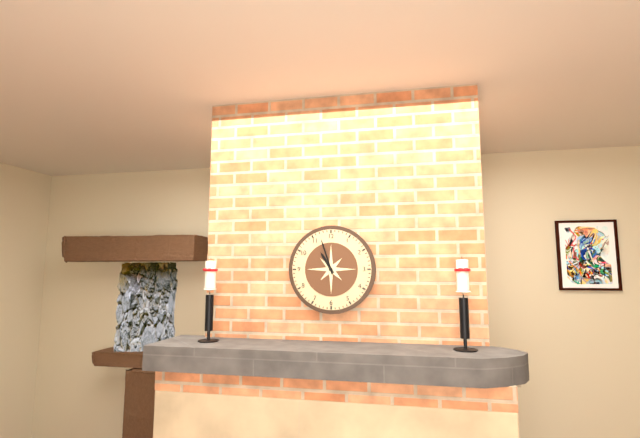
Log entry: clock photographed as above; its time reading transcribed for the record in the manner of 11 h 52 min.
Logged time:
10 h 57 min
